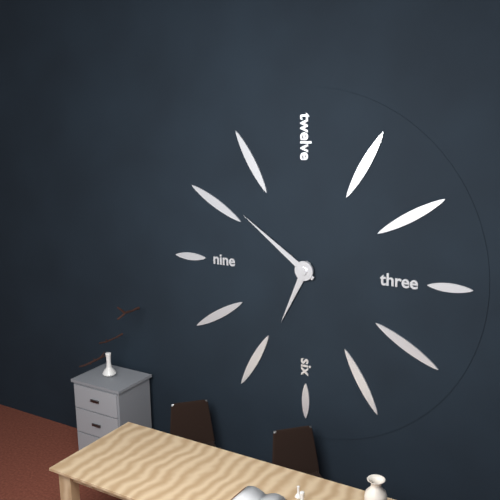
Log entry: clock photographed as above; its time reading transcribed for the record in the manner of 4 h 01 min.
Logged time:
6 h 51 min
